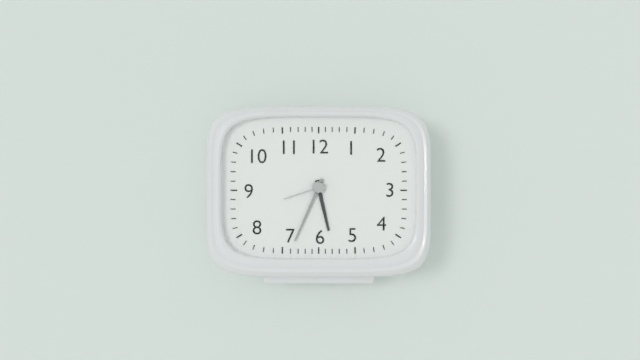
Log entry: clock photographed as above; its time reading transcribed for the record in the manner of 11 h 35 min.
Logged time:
5 h 34 min
